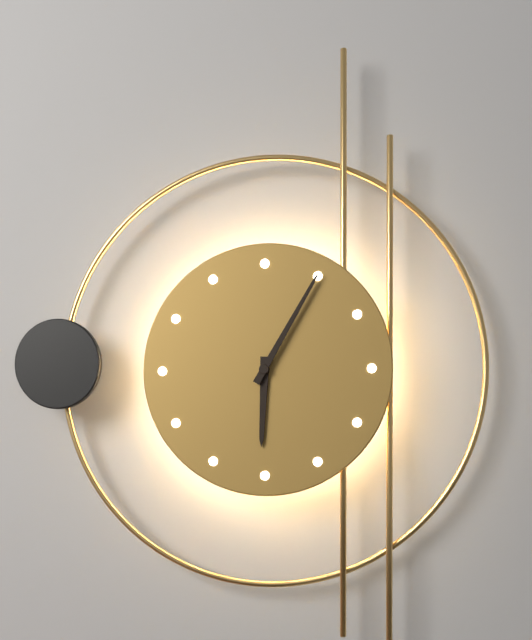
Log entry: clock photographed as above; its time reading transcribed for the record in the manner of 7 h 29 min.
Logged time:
6 h 05 min
